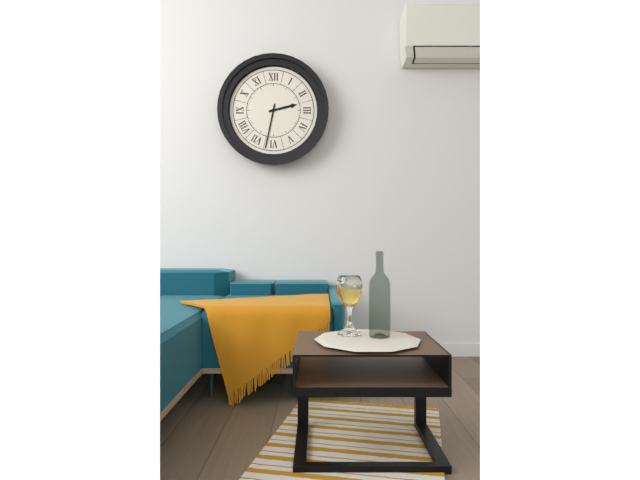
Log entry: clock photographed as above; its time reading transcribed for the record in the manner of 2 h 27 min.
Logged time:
2 h 32 min
